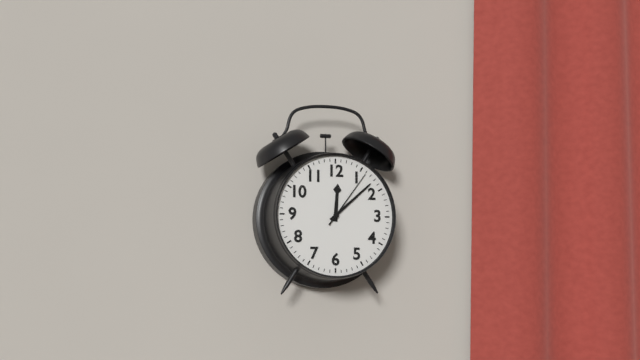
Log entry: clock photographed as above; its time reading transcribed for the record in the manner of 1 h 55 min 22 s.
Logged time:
12 h 08 min 06 s
